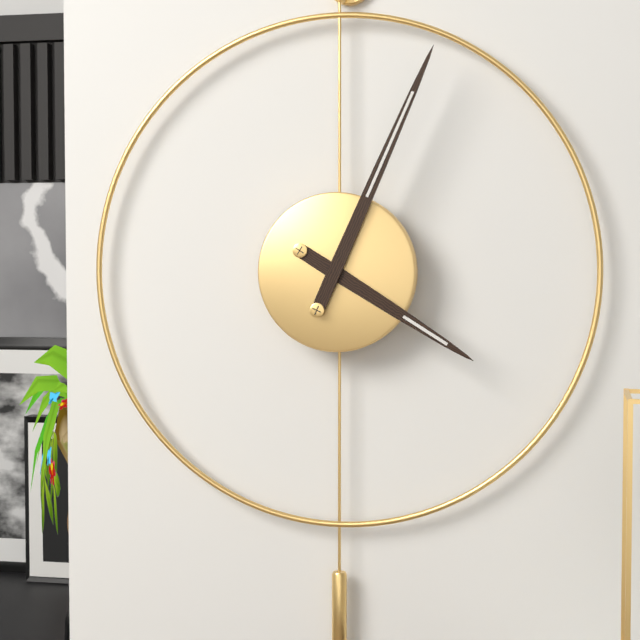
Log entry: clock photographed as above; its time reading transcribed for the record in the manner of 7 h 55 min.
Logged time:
4 h 04 min
